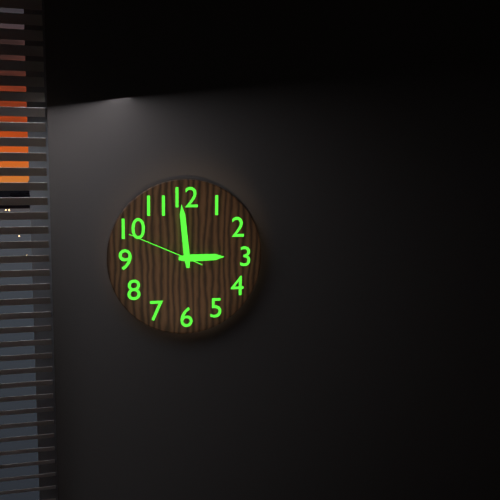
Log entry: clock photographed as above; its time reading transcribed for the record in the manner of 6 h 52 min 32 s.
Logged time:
2 h 59 min 49 s
